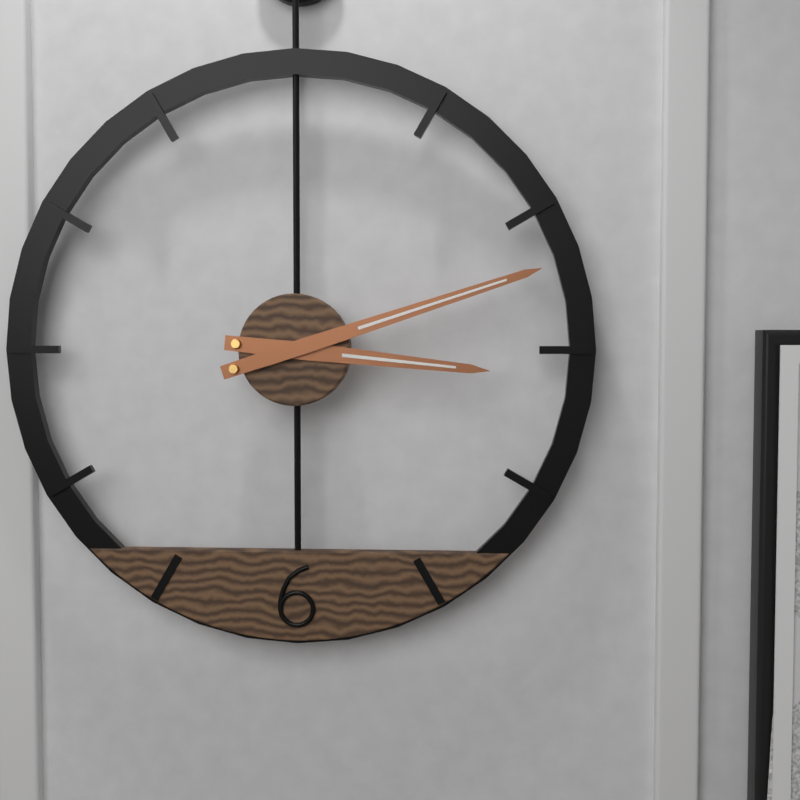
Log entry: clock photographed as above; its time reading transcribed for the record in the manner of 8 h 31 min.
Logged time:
3 h 12 min
